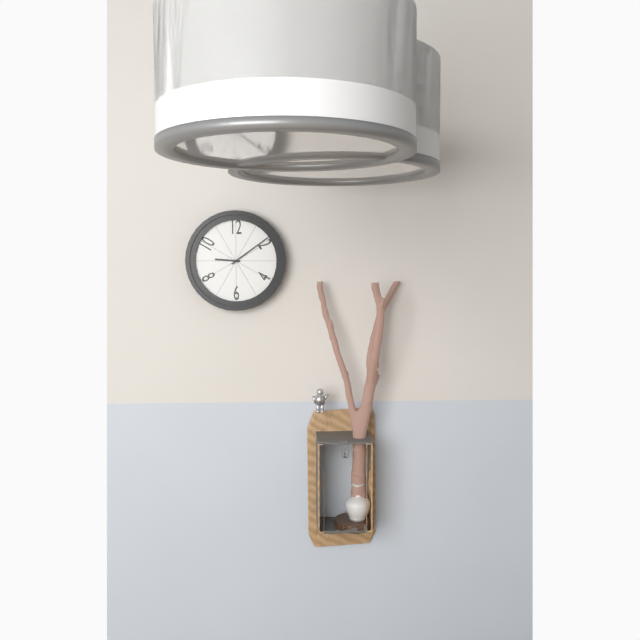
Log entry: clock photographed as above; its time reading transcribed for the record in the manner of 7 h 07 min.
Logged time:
9 h 09 min
